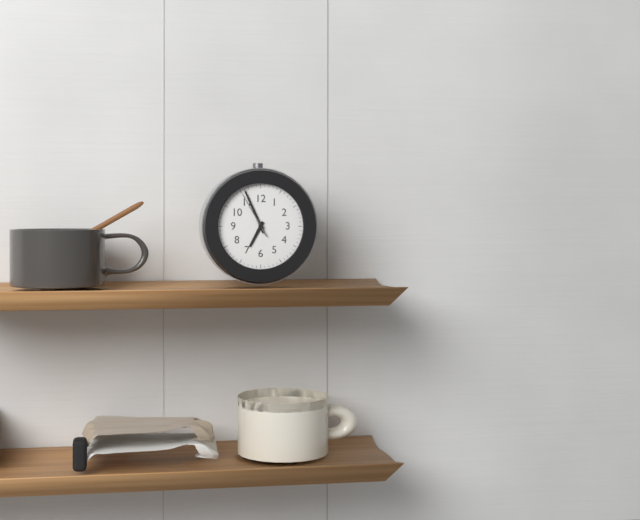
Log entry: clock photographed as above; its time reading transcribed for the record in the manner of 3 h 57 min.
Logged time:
6 h 56 min
